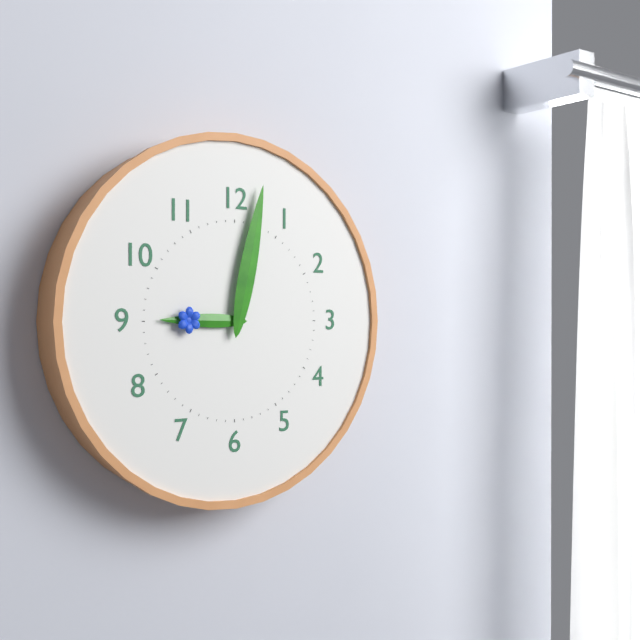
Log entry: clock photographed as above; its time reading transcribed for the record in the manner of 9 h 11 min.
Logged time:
9 h 02 min
